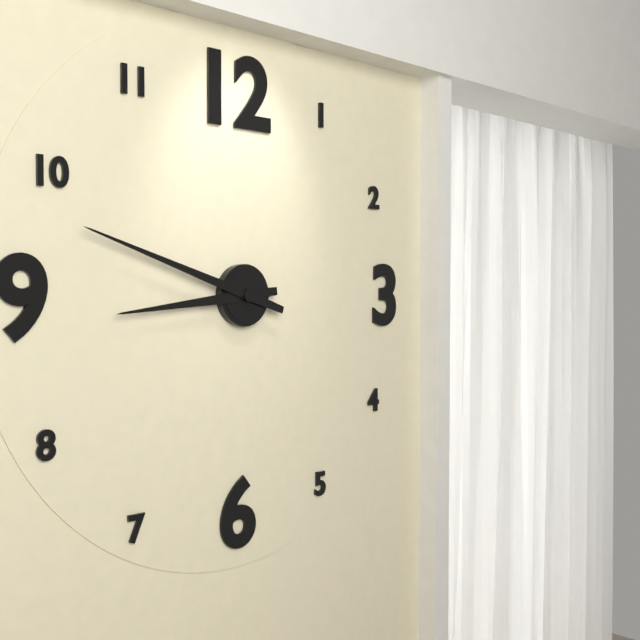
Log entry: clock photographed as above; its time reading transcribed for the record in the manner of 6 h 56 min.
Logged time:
8 h 48 min
